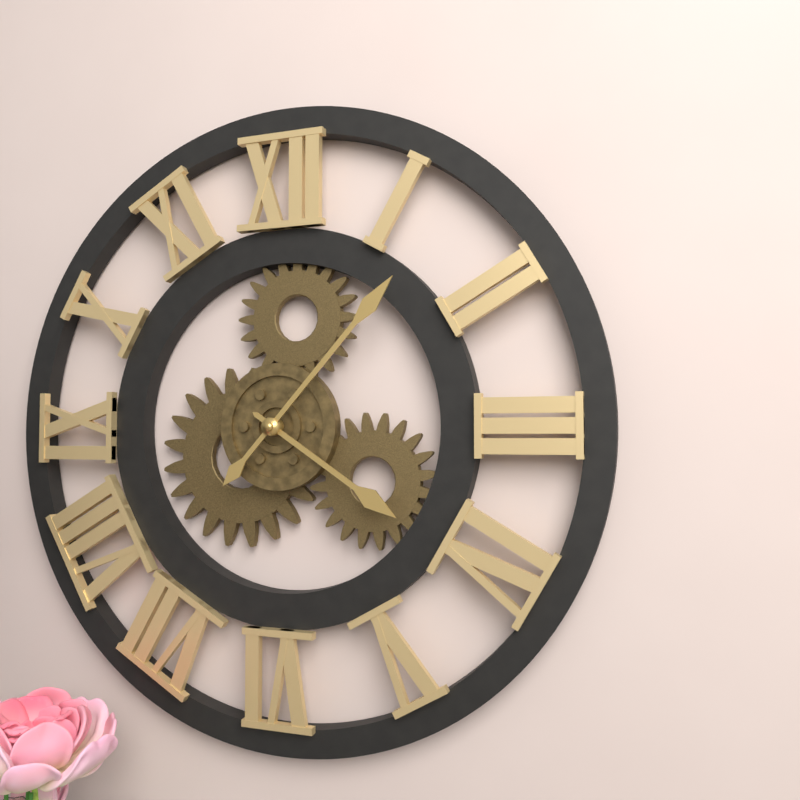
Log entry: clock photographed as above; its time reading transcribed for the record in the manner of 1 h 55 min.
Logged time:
4 h 07 min
